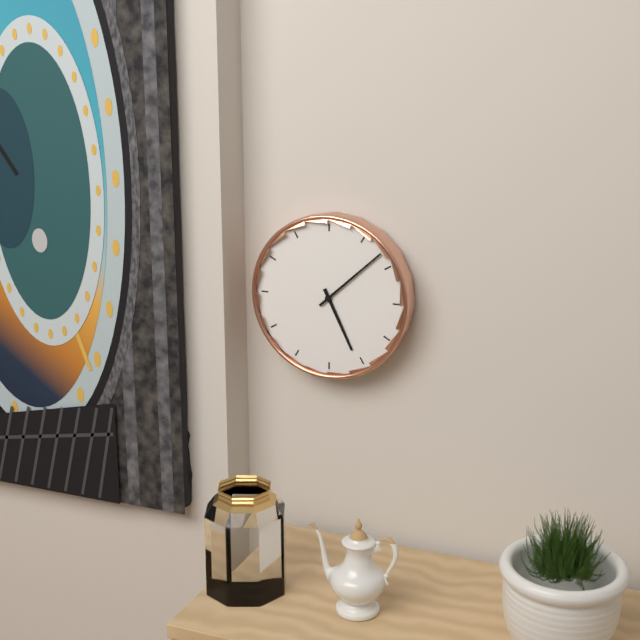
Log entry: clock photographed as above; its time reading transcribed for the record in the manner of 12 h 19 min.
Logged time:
5 h 08 min
